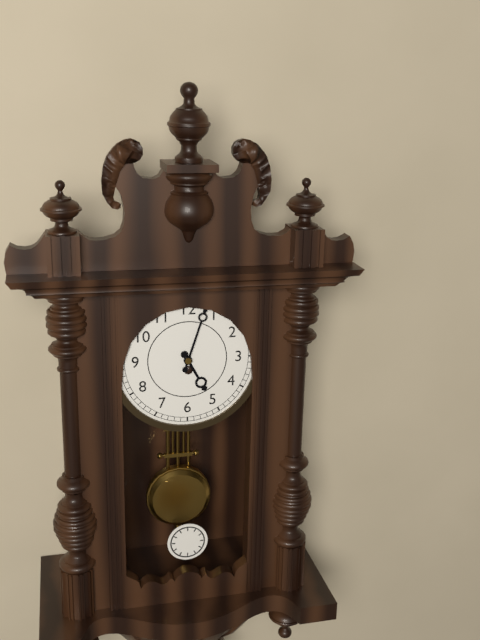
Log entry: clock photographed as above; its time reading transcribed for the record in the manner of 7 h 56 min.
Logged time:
5 h 03 min
